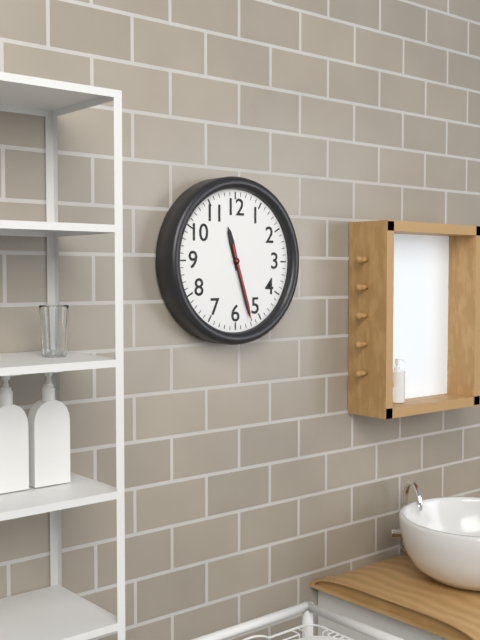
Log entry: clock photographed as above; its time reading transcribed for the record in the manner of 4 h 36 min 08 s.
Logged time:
11 h 27 min 27 s
